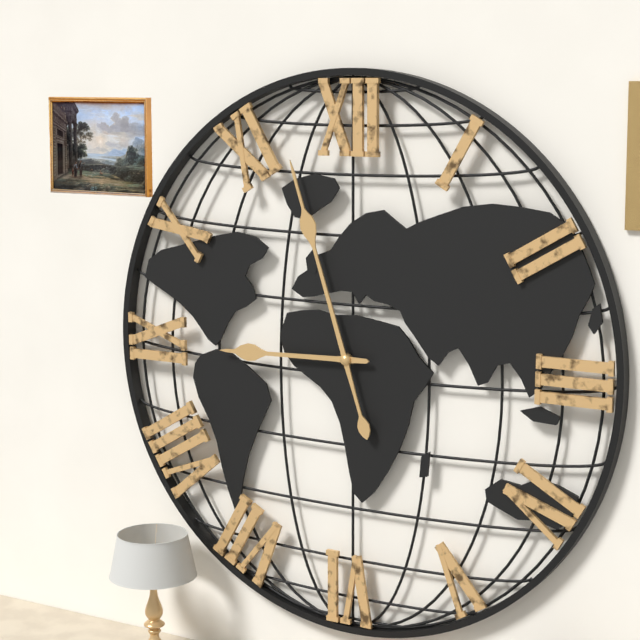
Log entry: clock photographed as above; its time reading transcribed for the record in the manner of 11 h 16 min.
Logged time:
8 h 57 min
